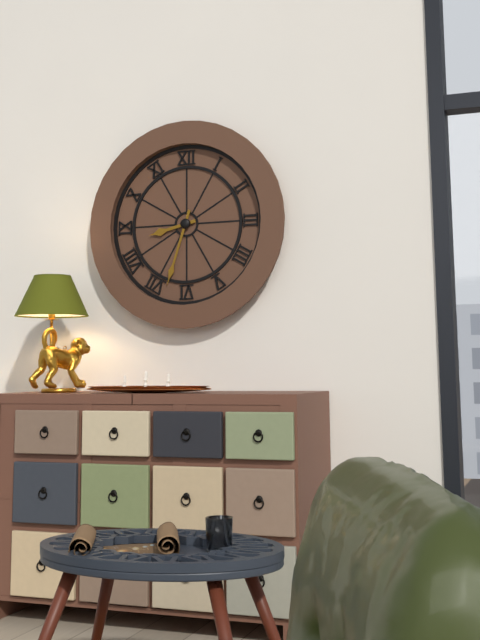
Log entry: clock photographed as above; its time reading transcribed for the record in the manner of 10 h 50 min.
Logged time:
8 h 33 min
